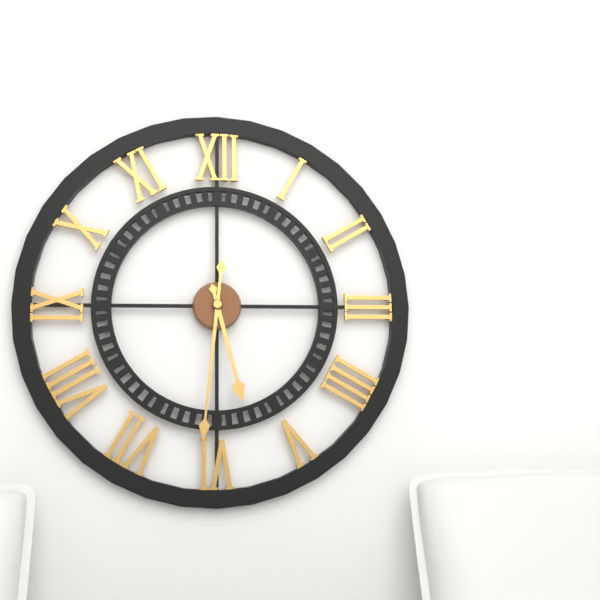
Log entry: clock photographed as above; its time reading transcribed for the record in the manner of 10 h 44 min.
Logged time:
5 h 31 min
